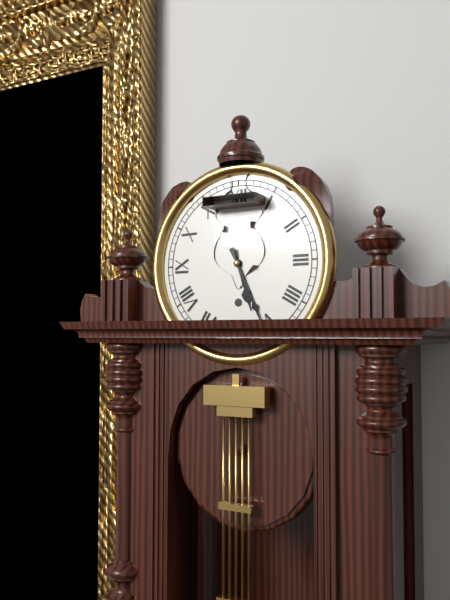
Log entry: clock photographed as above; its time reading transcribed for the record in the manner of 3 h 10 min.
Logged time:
5 h 26 min
